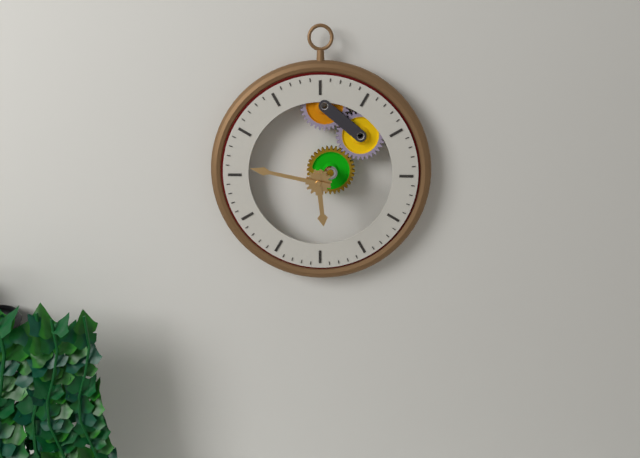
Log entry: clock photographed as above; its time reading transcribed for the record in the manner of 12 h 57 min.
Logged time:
5 h 47 min
